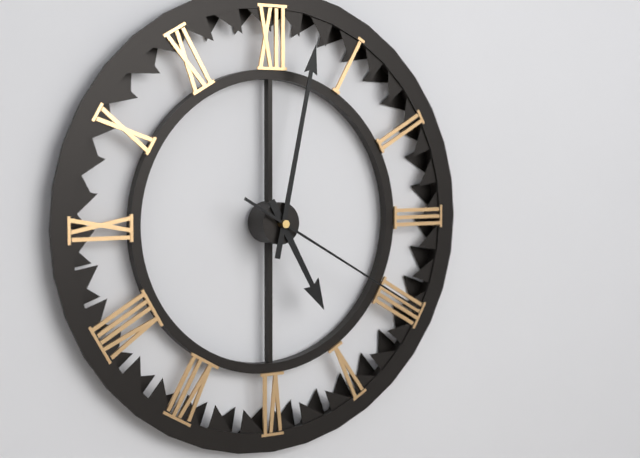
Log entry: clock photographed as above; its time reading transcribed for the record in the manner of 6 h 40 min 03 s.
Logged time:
5 h 02 min 20 s
